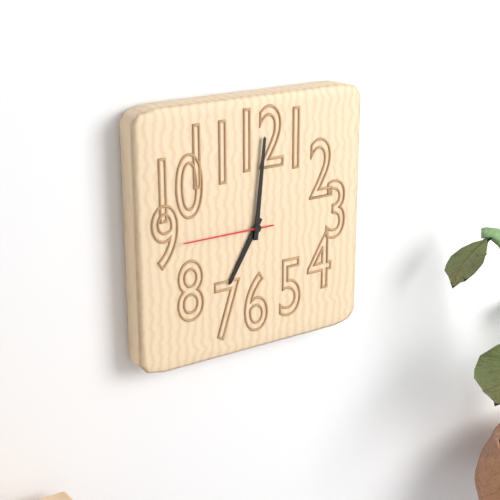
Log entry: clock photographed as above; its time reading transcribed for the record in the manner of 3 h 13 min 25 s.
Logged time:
7 h 01 min 45 s
